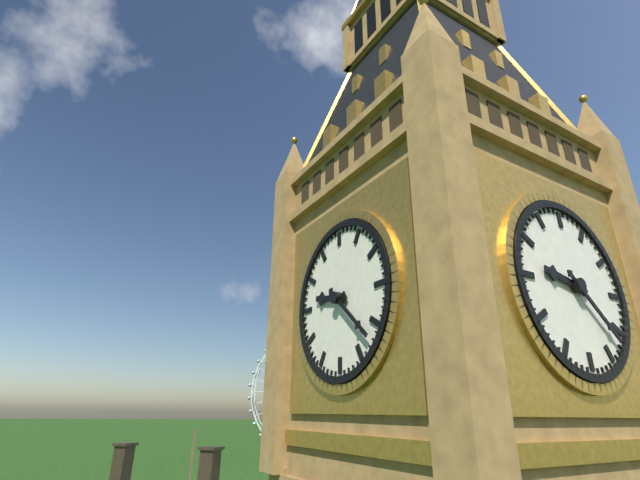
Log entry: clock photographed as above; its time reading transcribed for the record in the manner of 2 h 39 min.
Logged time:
9 h 22 min
